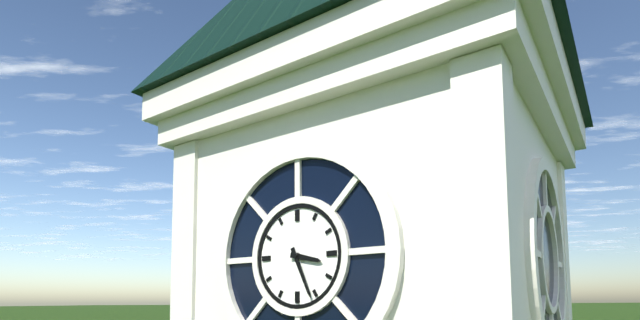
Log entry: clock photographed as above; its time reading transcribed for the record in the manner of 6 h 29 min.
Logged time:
3 h 26 min
